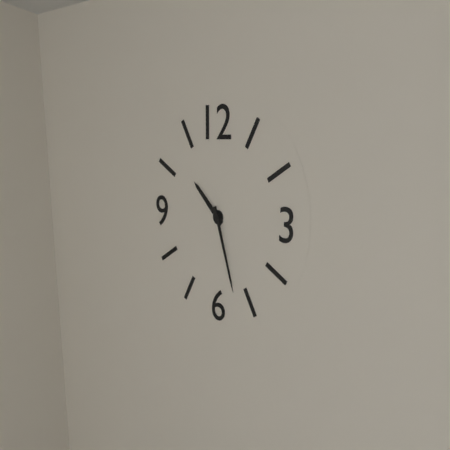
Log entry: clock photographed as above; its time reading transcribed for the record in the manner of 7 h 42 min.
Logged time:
10 h 27 min
